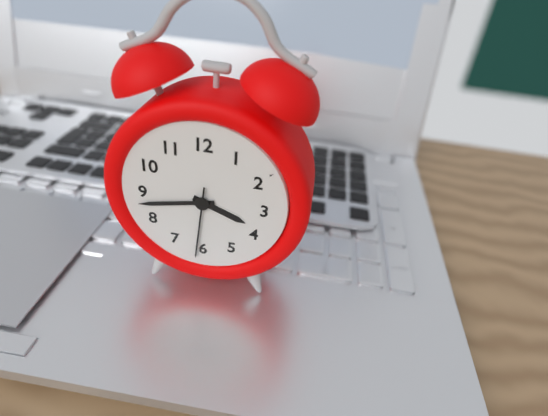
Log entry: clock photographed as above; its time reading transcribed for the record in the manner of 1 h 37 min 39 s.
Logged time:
3 h 43 min 31 s
